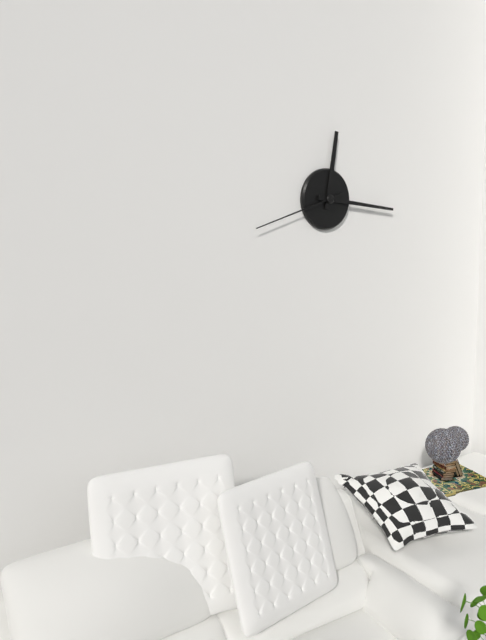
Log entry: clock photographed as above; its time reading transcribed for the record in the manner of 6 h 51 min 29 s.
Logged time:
12 h 16 min 42 s
